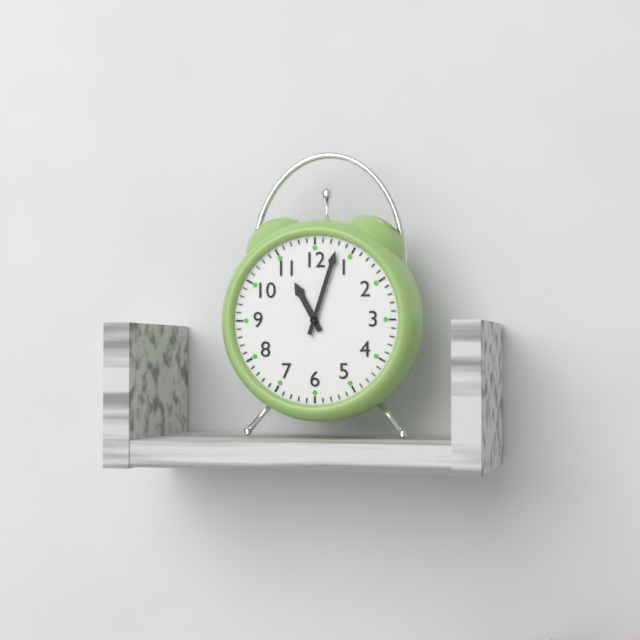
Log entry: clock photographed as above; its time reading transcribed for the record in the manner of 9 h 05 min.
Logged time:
11 h 03 min
